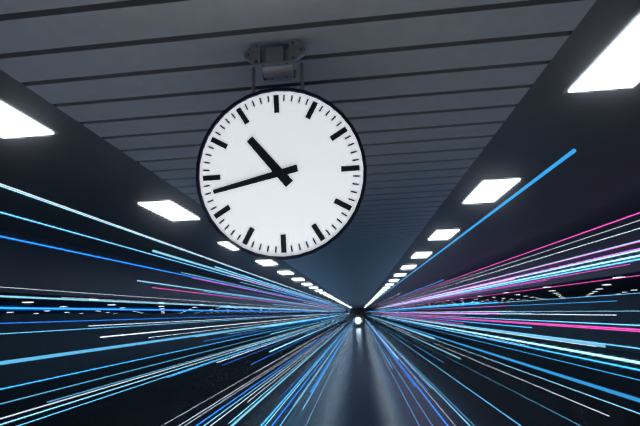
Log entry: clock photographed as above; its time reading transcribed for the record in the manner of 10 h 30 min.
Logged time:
10 h 43 min
